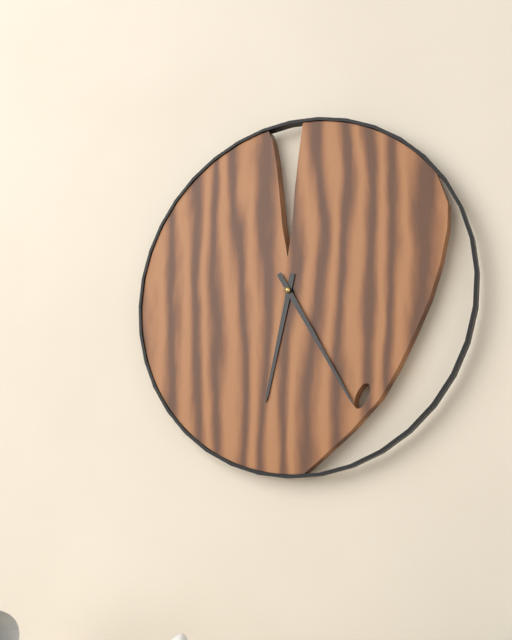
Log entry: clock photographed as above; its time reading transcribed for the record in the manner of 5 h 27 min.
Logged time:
6 h 25 min
